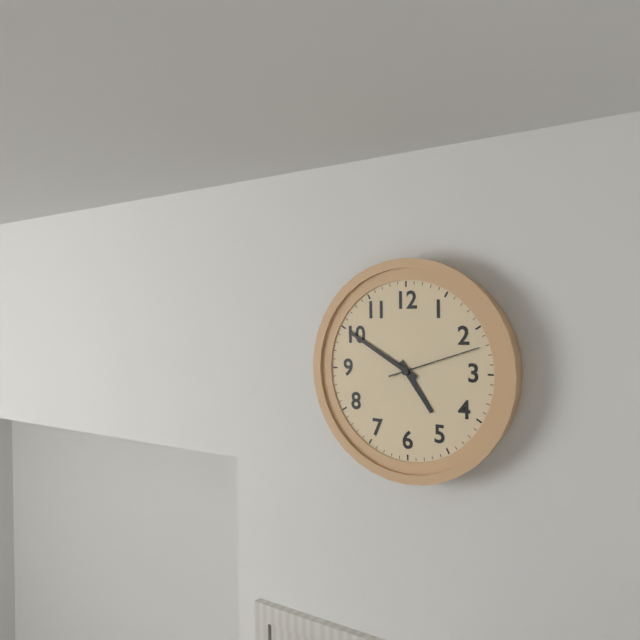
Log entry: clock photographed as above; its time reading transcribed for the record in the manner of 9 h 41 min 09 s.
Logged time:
4 h 50 min 12 s
